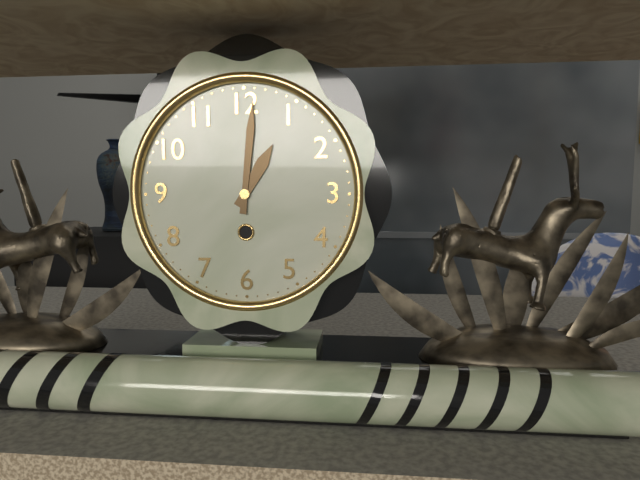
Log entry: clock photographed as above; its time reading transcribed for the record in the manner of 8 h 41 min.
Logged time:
1 h 01 min
